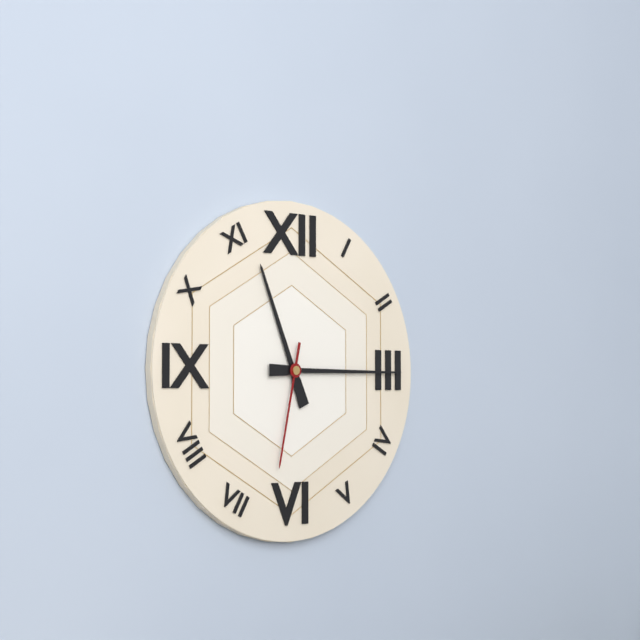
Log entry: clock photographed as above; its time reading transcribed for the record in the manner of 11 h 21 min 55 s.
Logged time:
11 h 15 min 32 s
